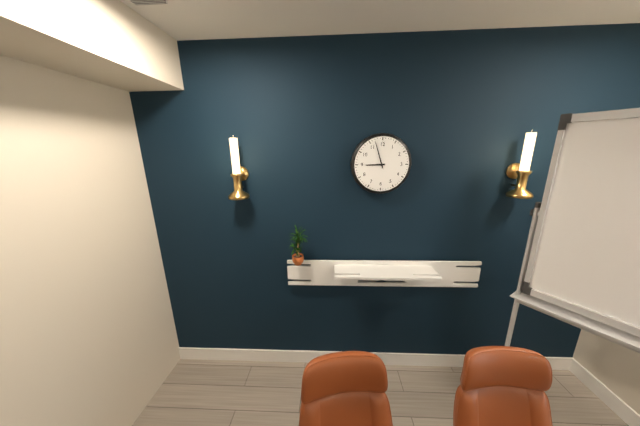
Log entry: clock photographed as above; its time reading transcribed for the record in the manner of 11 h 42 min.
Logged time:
8 h 57 min
